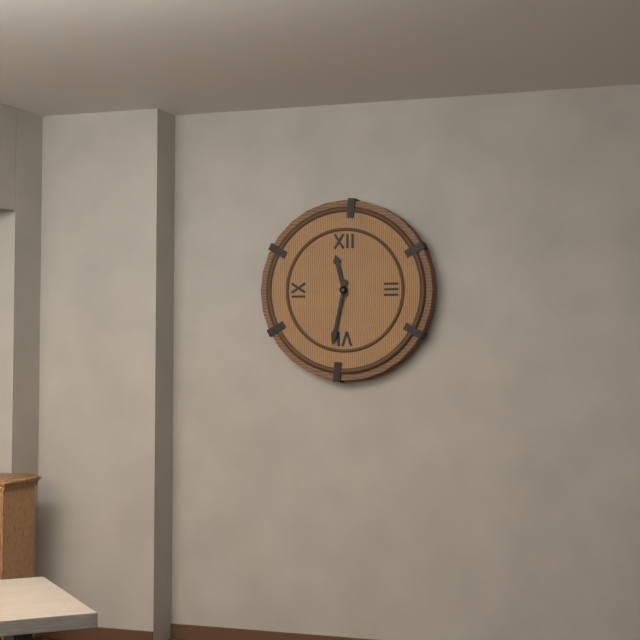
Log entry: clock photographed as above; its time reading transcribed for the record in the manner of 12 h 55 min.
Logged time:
11 h 32 min
